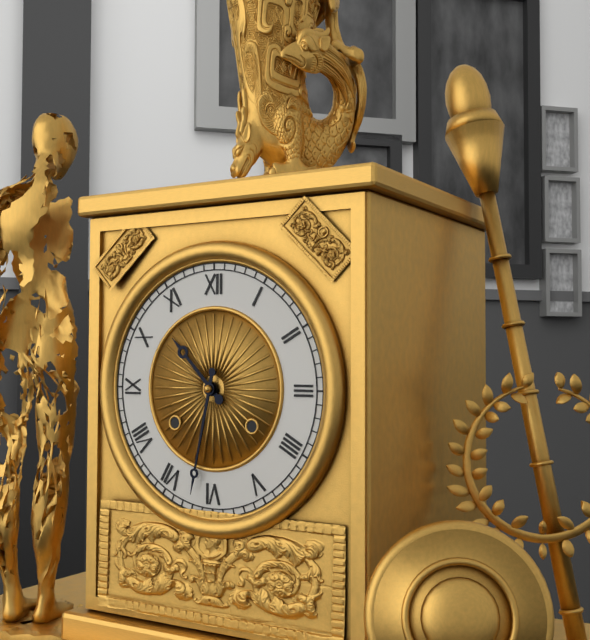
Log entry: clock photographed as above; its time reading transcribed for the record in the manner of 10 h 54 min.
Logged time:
10 h 32 min
